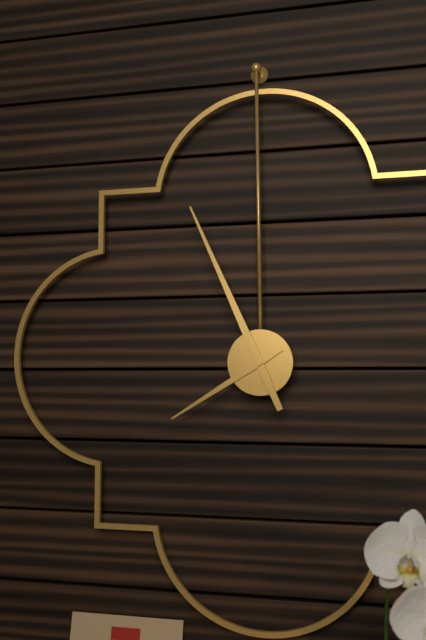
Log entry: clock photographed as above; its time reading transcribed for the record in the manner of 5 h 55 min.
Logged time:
7 h 56 min
